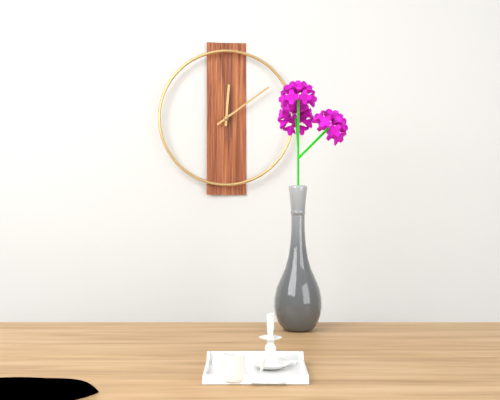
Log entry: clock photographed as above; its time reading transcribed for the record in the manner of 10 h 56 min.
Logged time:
12 h 09 min
